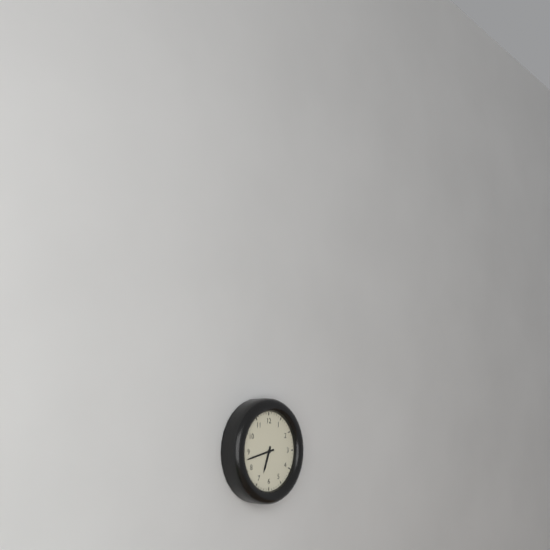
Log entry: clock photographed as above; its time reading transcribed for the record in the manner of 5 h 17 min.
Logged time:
6 h 43 min
